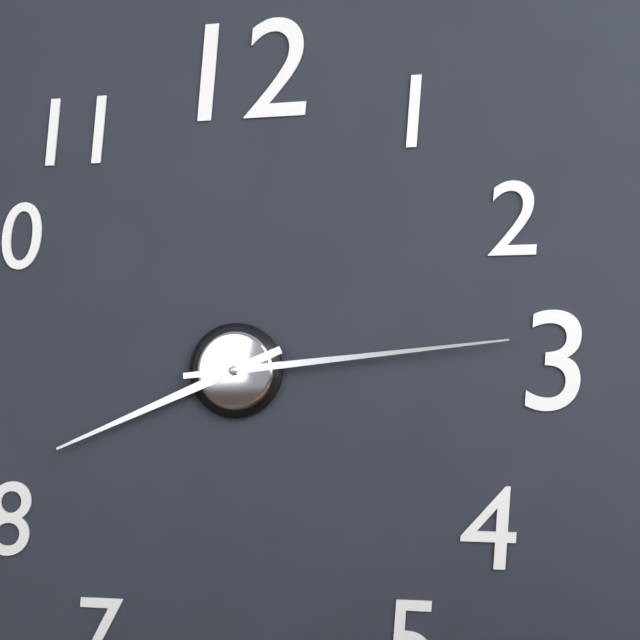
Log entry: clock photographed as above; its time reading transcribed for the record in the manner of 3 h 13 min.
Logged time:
8 h 14 min
